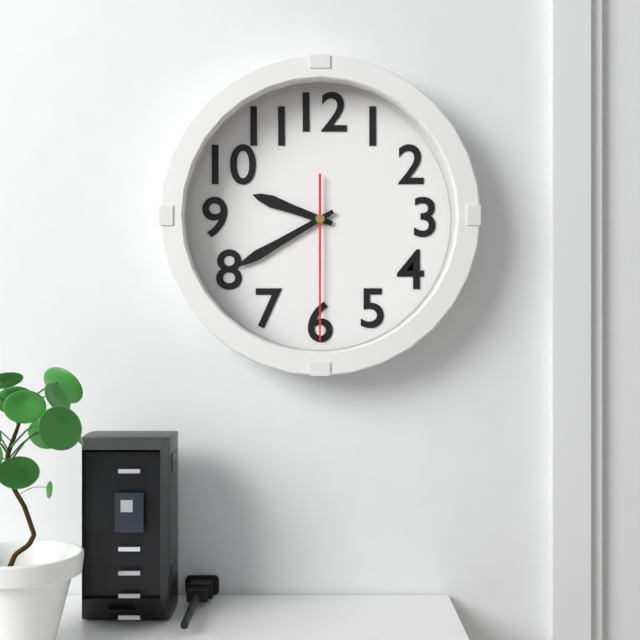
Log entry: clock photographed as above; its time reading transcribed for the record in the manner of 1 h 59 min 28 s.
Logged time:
9 h 40 min 30 s
